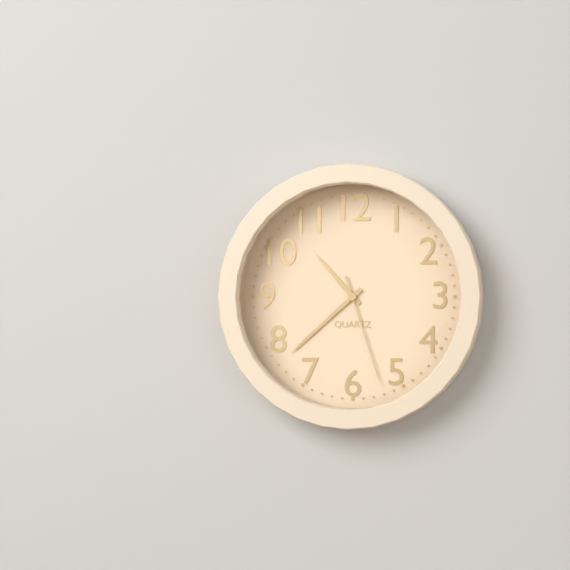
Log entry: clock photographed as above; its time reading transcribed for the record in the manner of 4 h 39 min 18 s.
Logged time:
10 h 38 min 27 s
